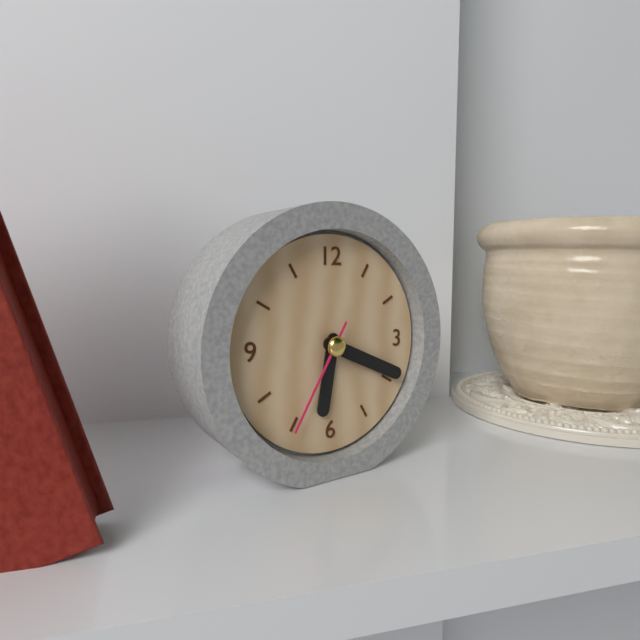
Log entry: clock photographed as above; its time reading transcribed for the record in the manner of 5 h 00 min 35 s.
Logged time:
6 h 19 min 35 s
